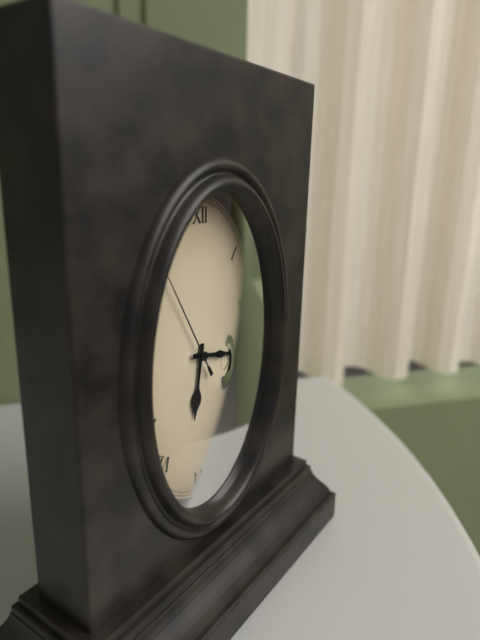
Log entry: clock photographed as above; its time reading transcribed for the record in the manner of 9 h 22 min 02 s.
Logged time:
6 h 17 min 55 s
